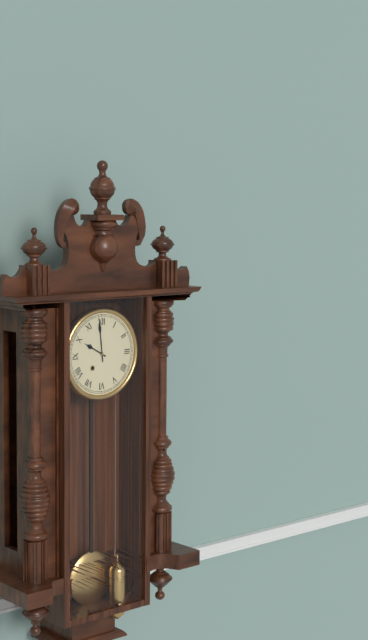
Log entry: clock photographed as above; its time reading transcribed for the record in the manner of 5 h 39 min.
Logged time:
9 h 59 min
